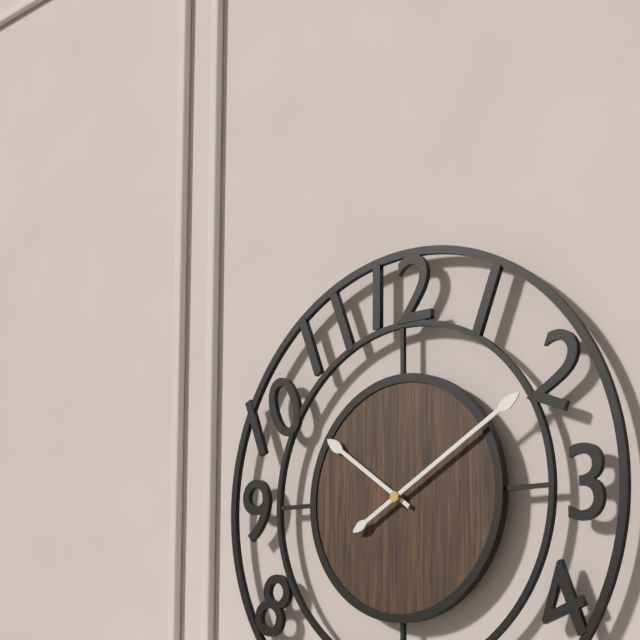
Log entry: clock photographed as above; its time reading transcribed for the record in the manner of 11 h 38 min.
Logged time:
10 h 10 min
